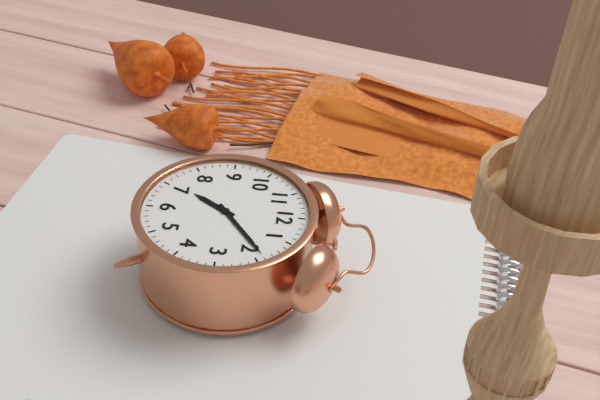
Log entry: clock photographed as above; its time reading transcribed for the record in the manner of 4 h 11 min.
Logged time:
7 h 09 min
